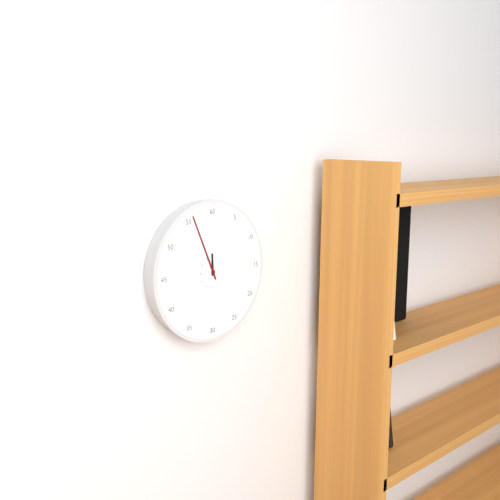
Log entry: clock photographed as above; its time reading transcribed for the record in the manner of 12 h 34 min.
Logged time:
11 h 56 min
